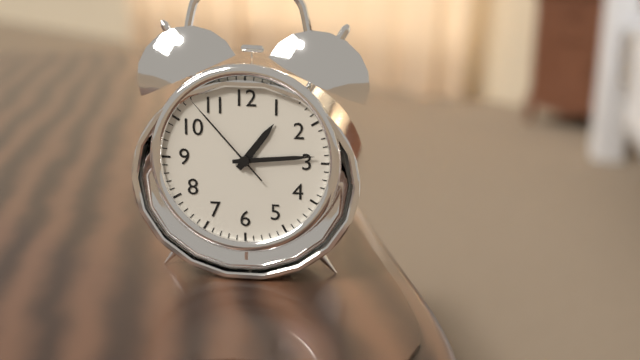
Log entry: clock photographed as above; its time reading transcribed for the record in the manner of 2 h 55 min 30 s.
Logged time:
1 h 14 min 53 s
